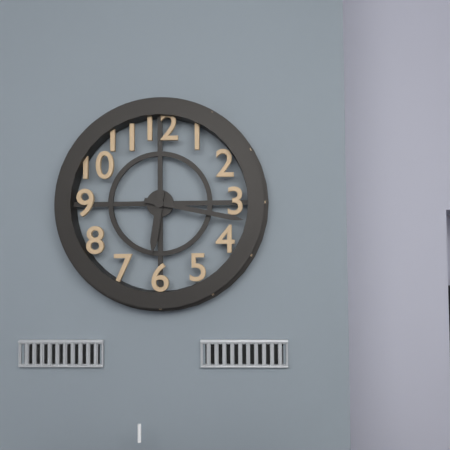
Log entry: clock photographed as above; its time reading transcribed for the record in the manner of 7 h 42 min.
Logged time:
6 h 17 min
